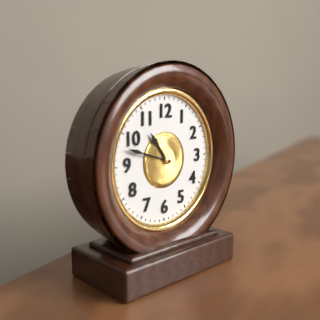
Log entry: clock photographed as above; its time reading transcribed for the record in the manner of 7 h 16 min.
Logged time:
10 h 48 min
